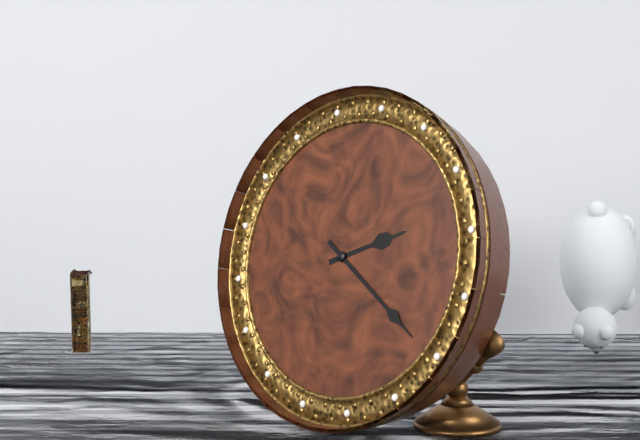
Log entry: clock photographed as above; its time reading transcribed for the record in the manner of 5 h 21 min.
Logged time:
2 h 21 min
